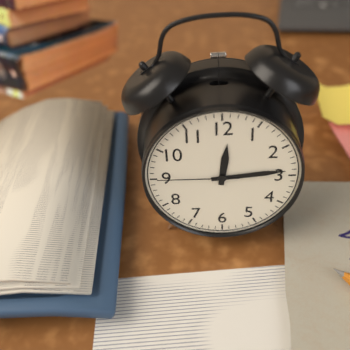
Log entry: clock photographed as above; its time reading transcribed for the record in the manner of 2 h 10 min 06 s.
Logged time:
12 h 14 min 45 s
